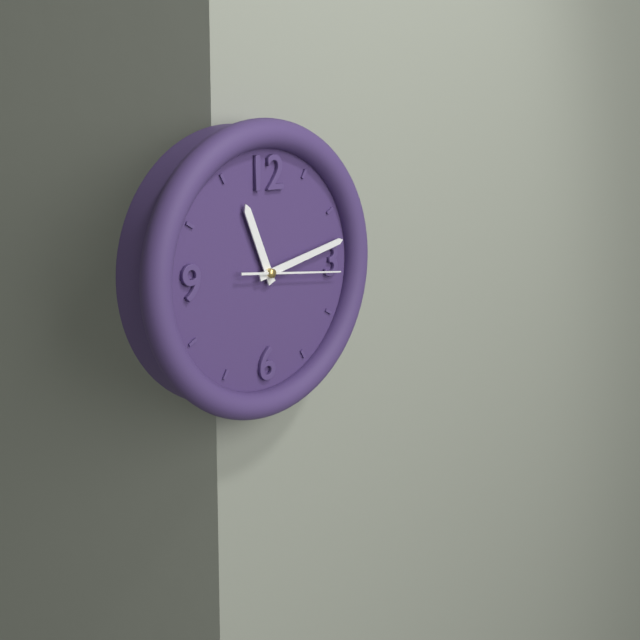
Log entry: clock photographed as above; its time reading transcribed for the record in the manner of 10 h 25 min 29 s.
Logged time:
11 h 13 min 16 s
